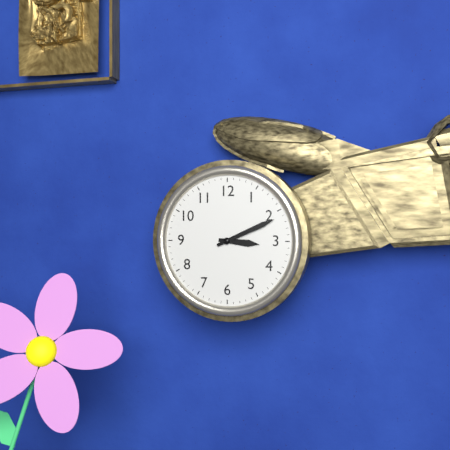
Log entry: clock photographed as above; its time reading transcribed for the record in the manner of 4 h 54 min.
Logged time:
3 h 11 min
